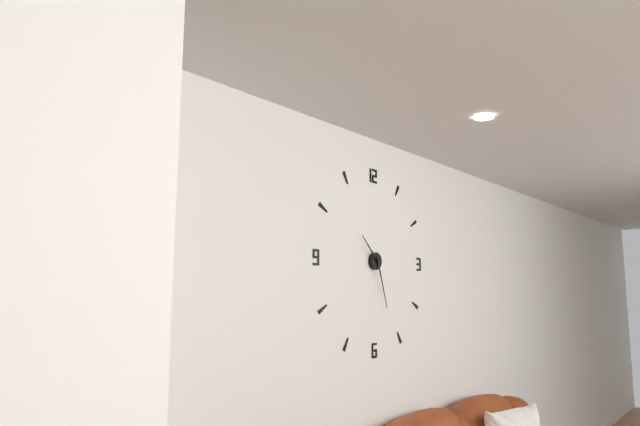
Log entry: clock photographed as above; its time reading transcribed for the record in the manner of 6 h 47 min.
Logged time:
10 h 27 min
